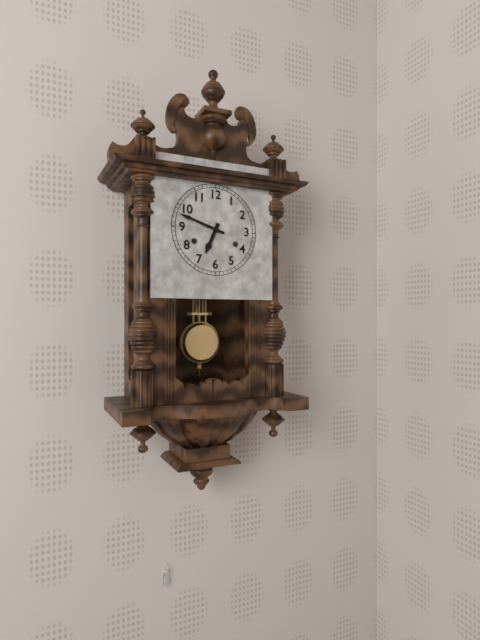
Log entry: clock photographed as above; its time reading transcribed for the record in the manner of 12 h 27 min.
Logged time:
6 h 48 min
